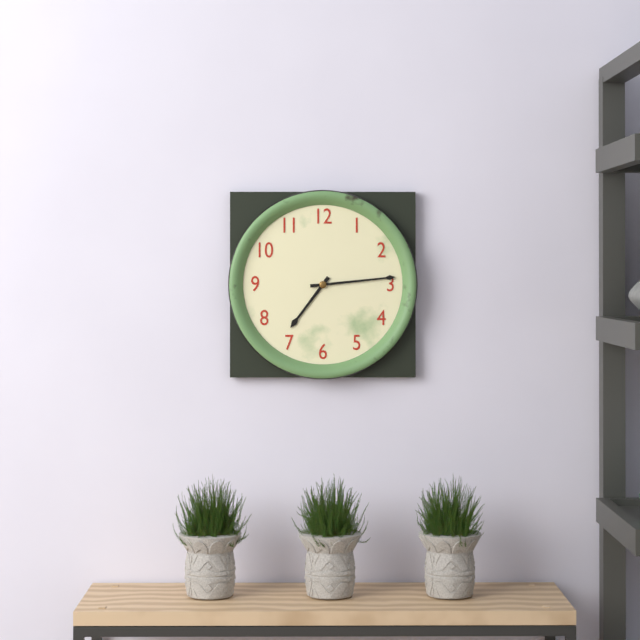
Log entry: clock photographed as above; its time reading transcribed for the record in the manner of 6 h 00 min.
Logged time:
7 h 14 min
